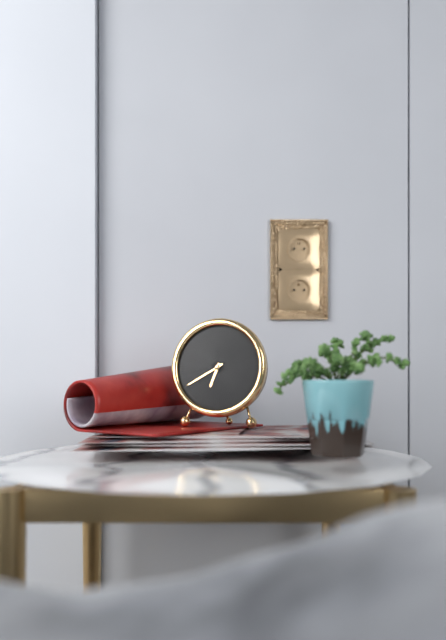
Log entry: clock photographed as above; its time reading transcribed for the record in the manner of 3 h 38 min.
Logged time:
6 h 40 min
